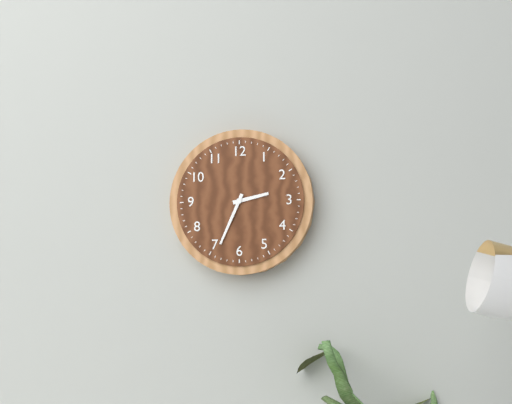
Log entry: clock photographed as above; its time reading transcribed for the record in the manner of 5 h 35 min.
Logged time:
2 h 34 min
